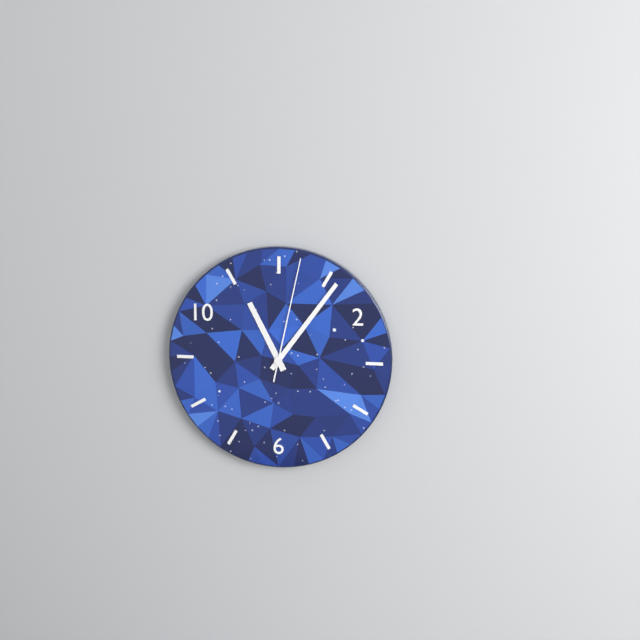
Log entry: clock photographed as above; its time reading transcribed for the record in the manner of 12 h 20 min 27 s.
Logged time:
11 h 06 min 02 s
